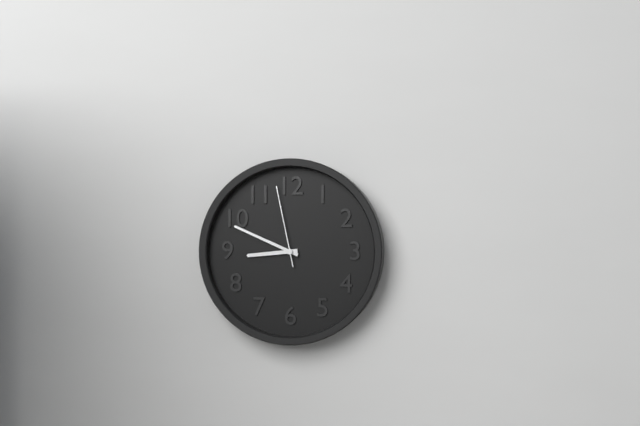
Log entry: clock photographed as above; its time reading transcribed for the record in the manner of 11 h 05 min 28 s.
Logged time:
8 h 49 min 58 s
